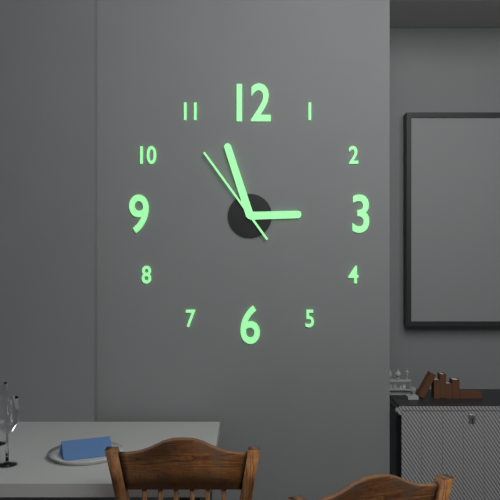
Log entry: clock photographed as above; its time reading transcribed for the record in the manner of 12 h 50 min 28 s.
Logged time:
2 h 57 min 54 s
